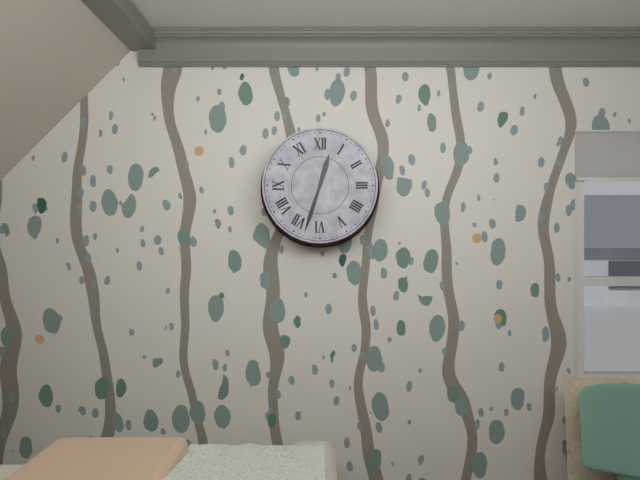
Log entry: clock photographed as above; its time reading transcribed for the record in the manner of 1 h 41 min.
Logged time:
12 h 33 min
